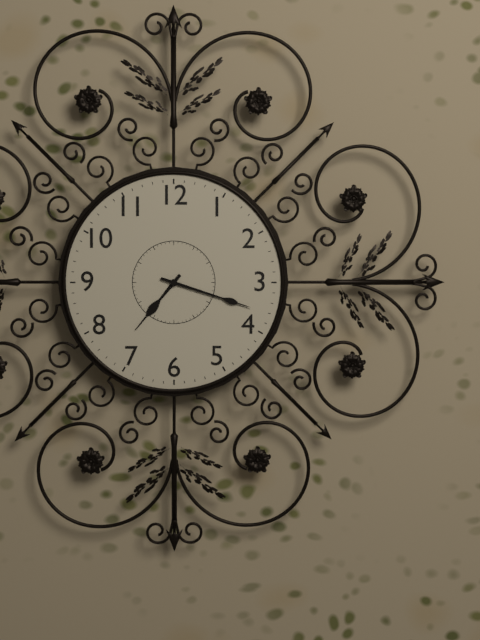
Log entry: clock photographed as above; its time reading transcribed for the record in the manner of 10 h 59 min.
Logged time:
7 h 18 min
